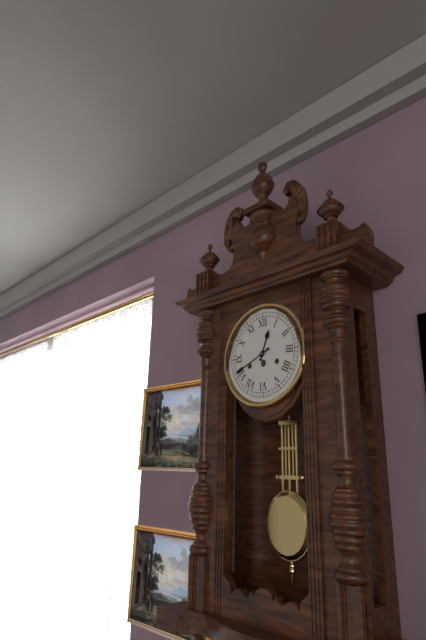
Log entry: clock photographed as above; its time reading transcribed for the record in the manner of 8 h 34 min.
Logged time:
12 h 41 min
